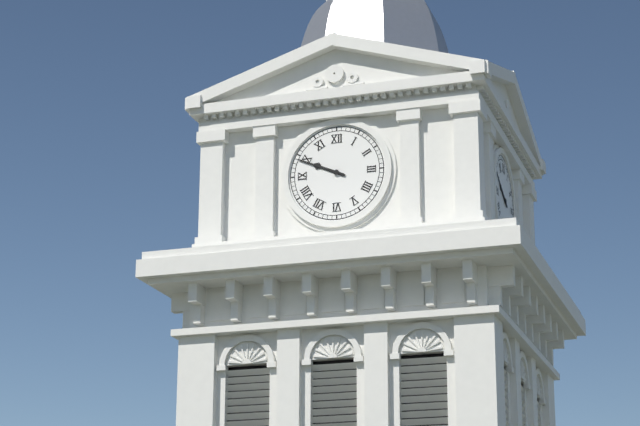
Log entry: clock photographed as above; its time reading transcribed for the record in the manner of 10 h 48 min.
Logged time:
9 h 49 min
